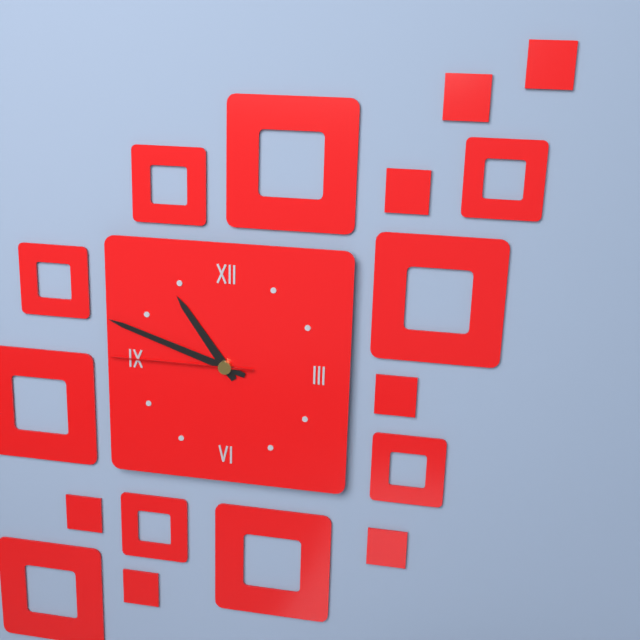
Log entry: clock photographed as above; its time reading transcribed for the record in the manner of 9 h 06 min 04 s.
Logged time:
10 h 48 min 45 s
